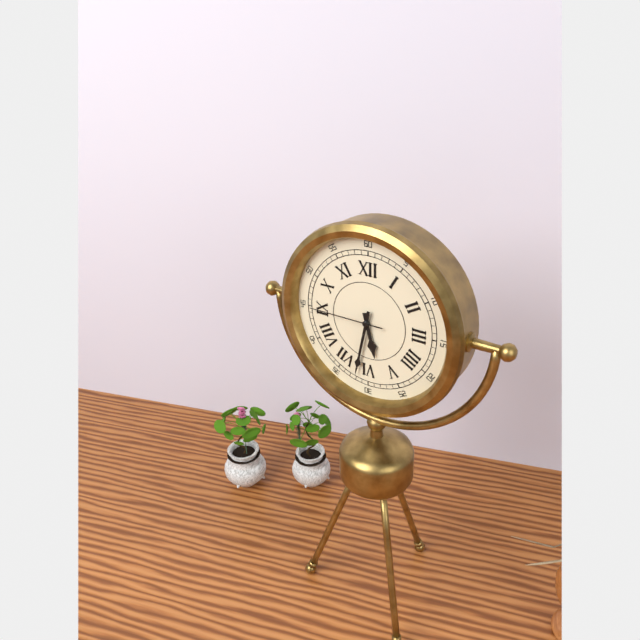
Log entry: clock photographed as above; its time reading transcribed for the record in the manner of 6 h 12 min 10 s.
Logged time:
5 h 32 min 45 s
